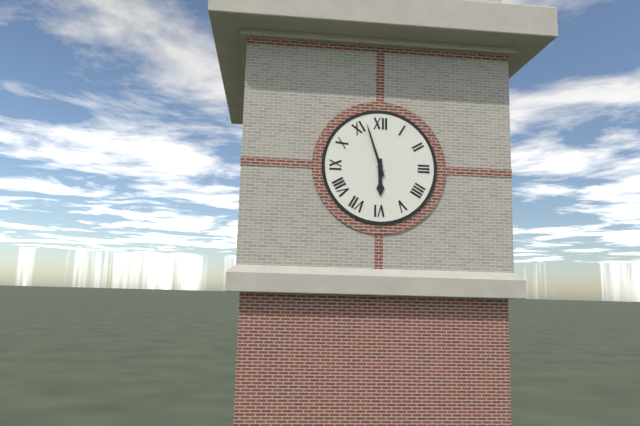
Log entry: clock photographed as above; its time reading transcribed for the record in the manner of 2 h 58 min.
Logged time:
5 h 57 min
